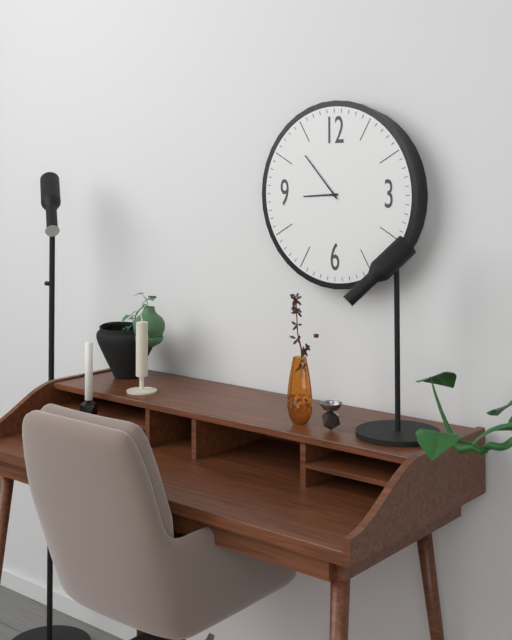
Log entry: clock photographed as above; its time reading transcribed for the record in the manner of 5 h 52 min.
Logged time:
8 h 53 min
